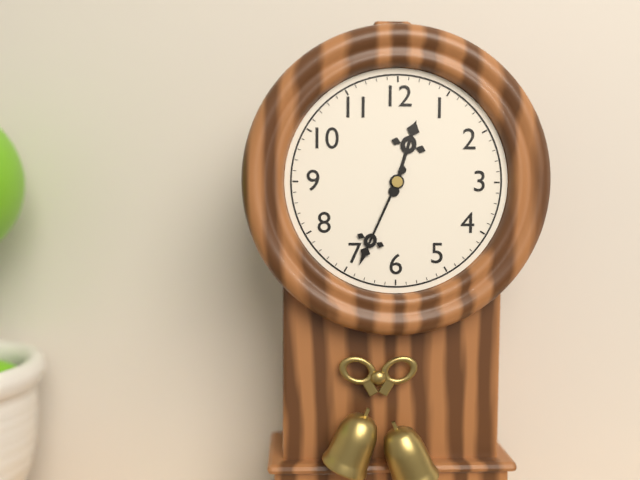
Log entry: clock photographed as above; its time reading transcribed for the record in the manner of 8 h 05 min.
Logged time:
12 h 34 min
